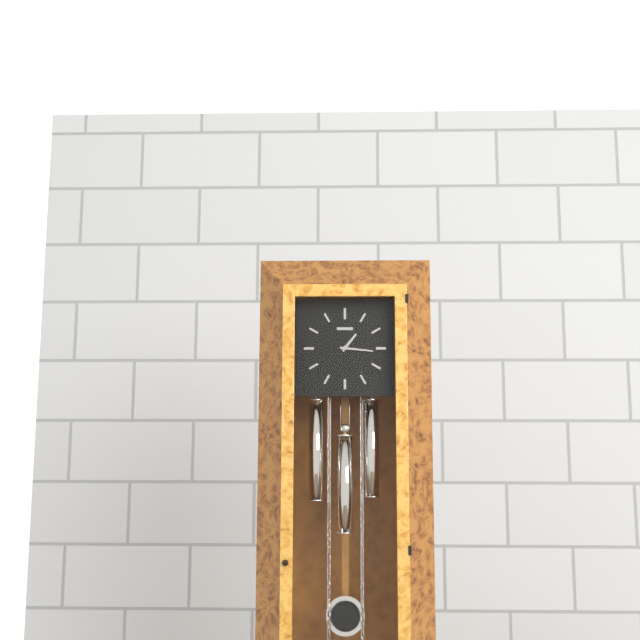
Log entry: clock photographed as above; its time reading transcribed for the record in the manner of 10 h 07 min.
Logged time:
1 h 16 min
